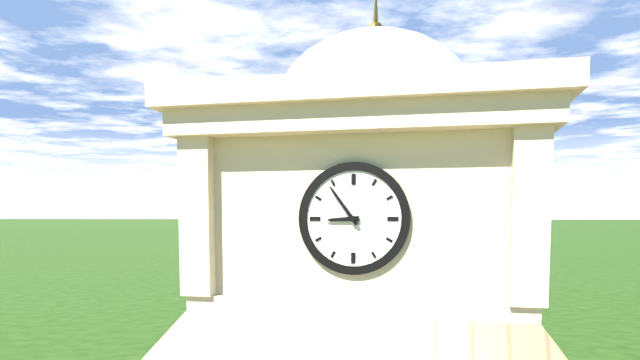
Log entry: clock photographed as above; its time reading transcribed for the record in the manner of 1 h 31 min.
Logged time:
8 h 54 min
